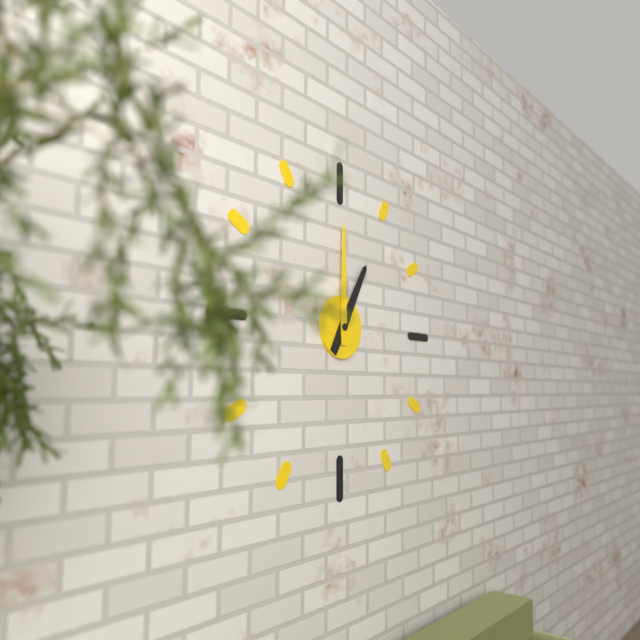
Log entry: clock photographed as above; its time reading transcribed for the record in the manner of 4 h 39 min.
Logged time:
1 h 00 min
